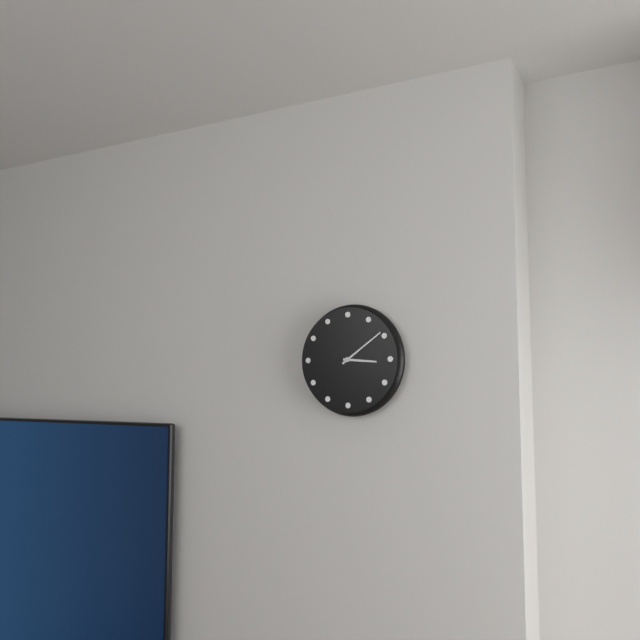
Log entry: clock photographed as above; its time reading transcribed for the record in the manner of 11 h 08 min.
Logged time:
3 h 09 min
